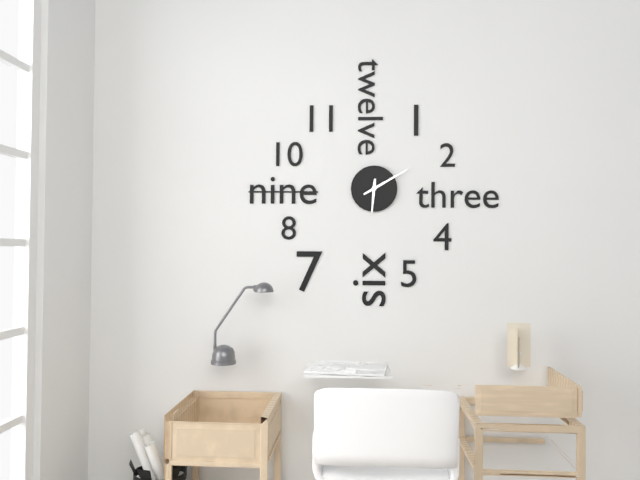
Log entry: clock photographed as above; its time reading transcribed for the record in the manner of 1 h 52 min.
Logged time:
6 h 10 min
